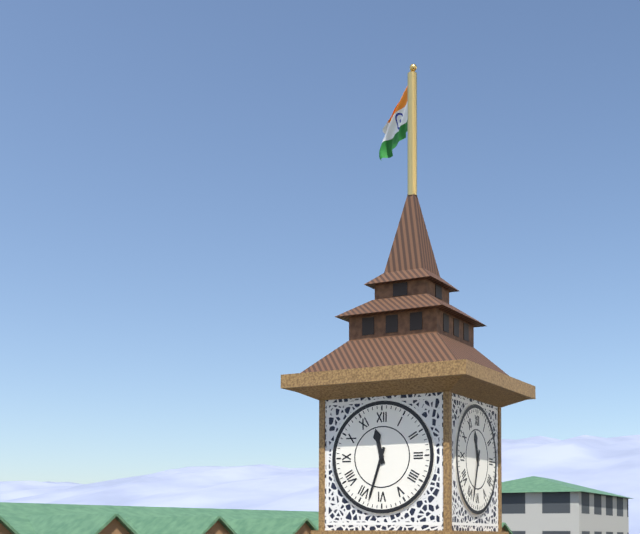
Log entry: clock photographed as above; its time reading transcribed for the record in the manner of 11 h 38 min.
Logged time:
11 h 33 min
